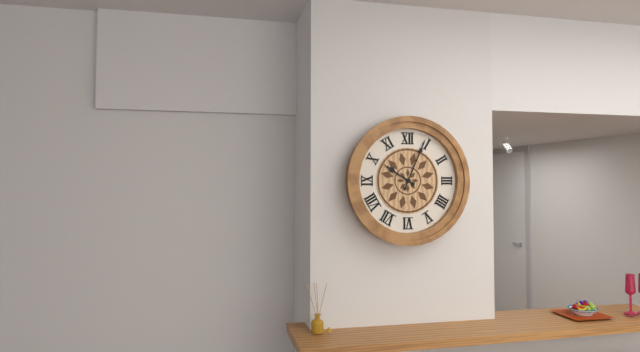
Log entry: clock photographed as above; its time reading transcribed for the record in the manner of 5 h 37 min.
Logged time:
10 h 04 min
